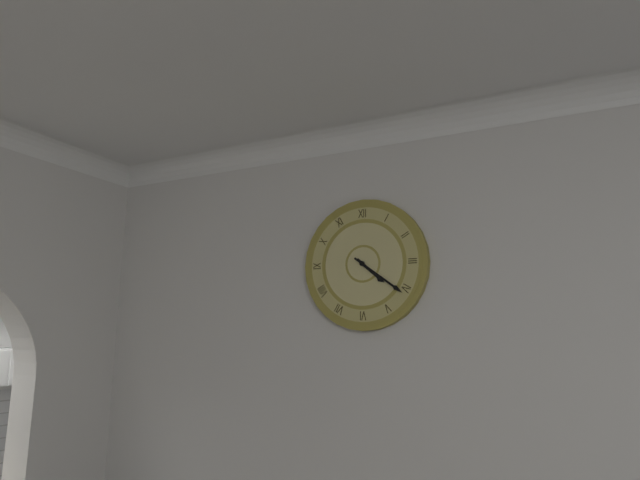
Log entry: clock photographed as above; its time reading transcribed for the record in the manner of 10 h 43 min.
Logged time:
4 h 21 min
